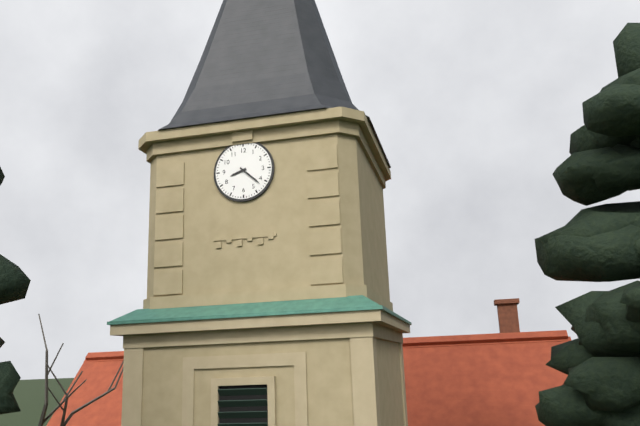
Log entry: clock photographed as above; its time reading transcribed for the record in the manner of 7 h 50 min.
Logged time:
8 h 22 min
